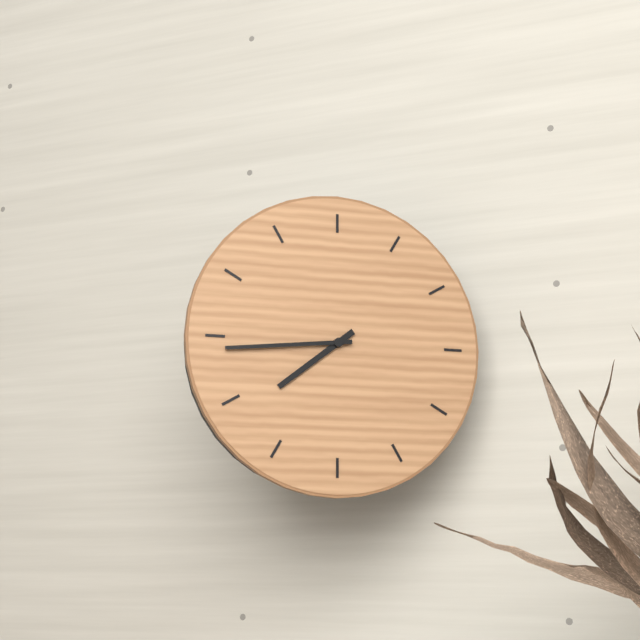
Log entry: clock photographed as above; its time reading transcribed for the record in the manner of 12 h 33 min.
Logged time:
7 h 44 min
